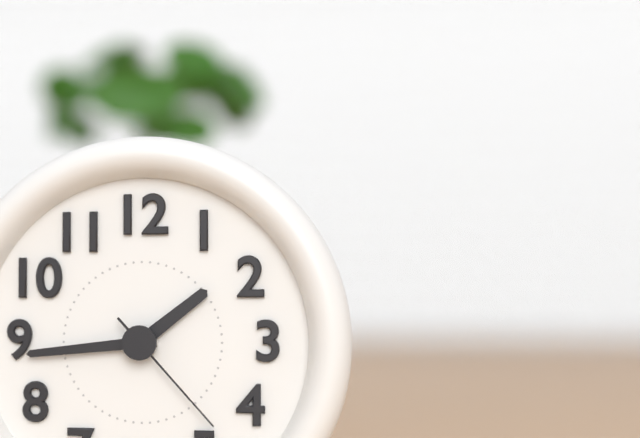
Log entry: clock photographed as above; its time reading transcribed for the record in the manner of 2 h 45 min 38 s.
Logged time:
1 h 44 min 23 s
